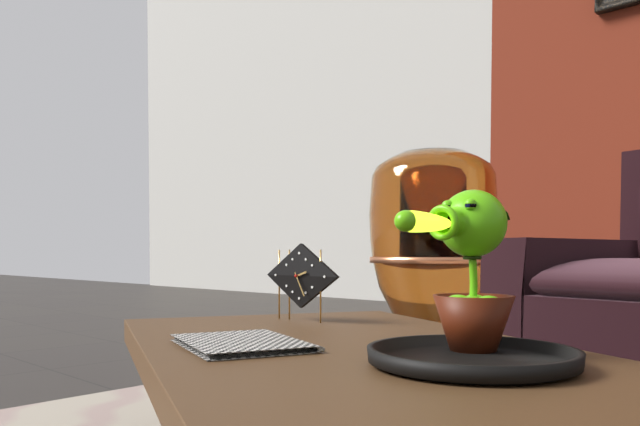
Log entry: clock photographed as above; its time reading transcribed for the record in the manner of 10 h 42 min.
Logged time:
2 h 25 min
